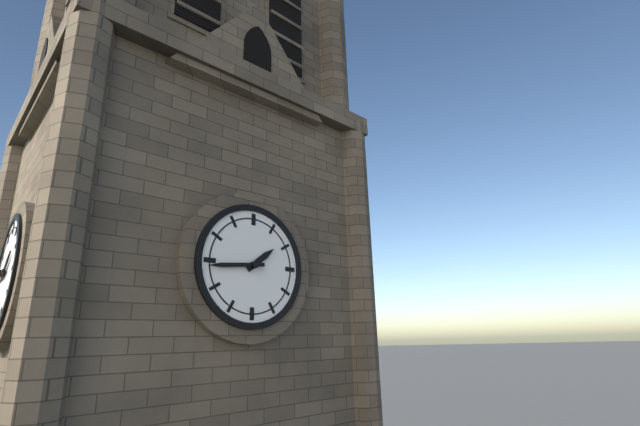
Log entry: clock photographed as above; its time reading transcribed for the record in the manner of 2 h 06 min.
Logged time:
1 h 44 min
